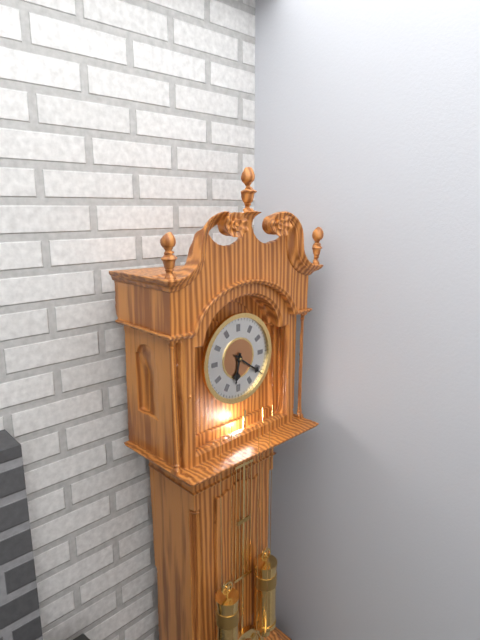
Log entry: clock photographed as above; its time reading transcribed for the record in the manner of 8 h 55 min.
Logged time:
6 h 21 min
